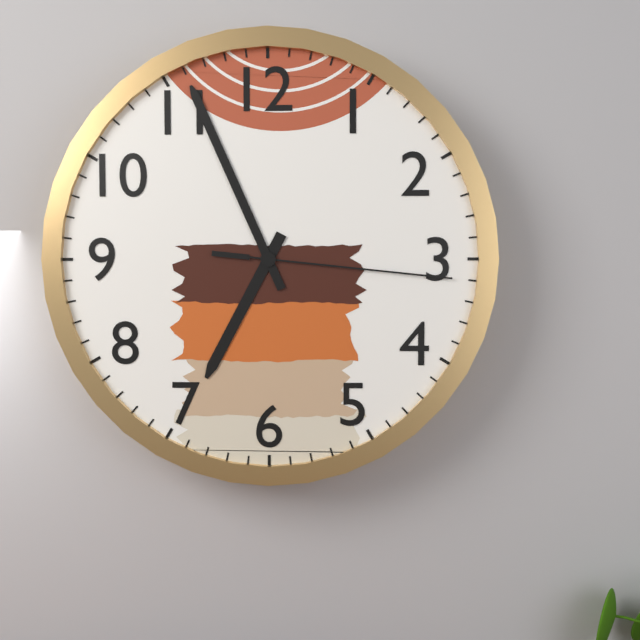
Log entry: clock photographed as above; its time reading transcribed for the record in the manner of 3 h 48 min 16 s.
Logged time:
6 h 56 min 16 s
